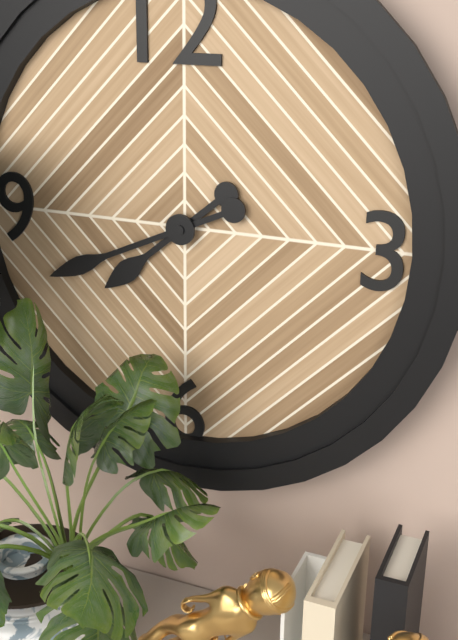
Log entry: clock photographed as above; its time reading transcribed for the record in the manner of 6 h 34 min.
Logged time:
7 h 41 min
